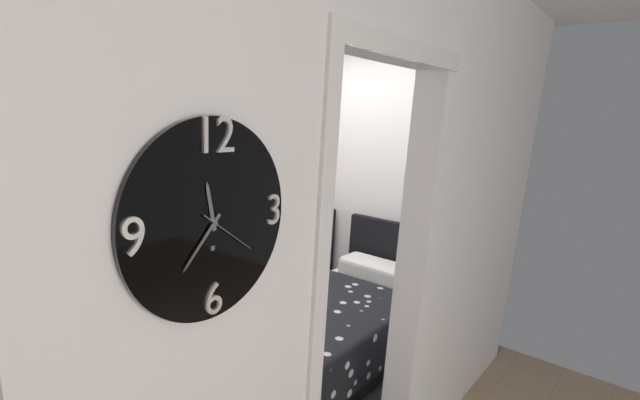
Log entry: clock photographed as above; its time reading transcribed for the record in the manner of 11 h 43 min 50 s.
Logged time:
11 h 37 min 21 s
